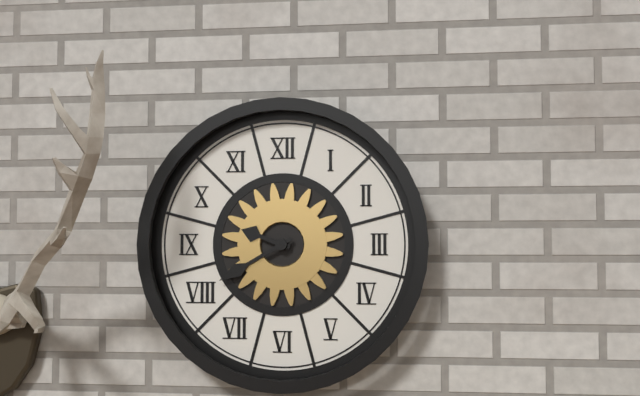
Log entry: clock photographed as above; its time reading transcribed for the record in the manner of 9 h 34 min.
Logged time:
9 h 40 min
